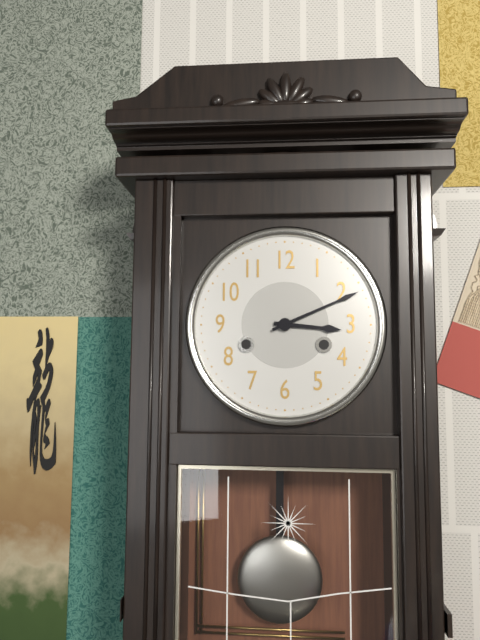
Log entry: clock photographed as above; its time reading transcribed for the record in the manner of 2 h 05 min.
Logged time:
3 h 11 min
